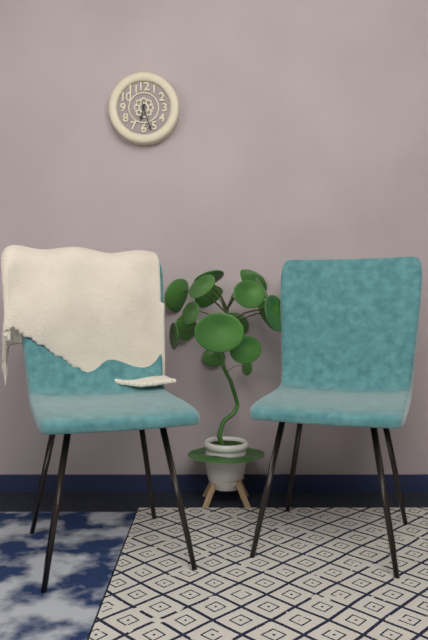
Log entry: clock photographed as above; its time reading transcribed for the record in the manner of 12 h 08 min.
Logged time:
6 h 27 min
